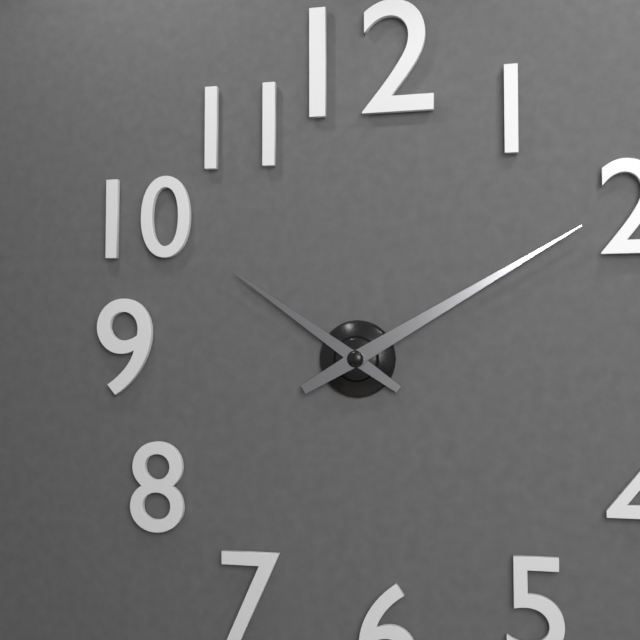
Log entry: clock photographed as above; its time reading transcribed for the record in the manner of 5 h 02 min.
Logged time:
10 h 10 min
